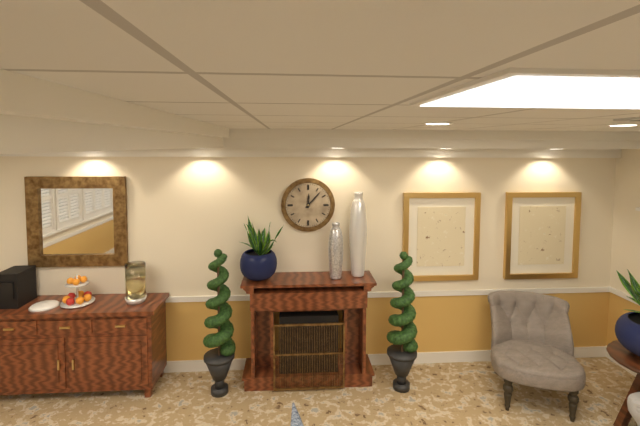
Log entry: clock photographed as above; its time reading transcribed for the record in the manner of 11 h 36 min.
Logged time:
12 h 07 min
